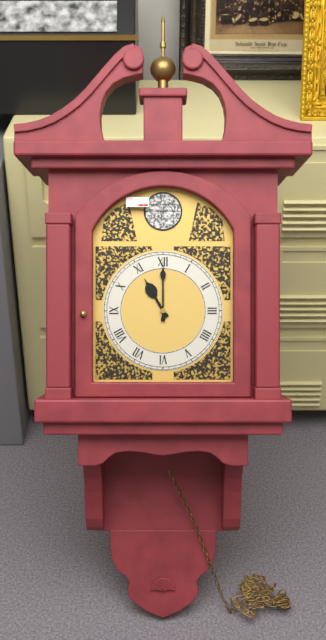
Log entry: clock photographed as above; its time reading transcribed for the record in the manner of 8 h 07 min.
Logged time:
11 h 00 min
